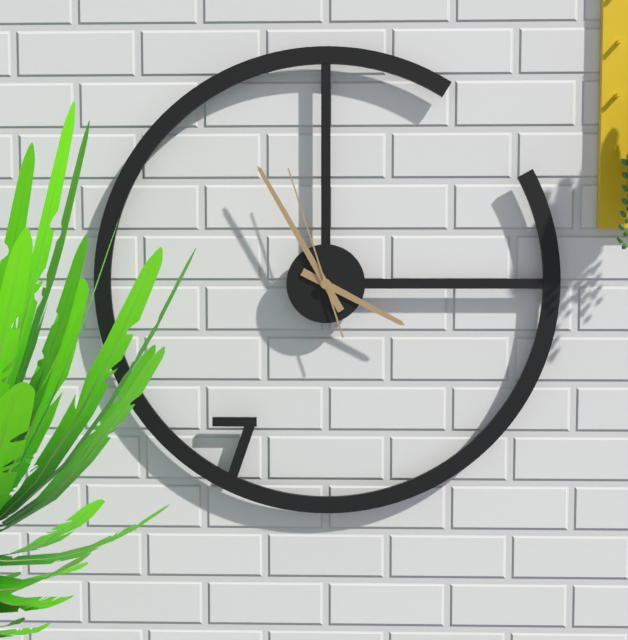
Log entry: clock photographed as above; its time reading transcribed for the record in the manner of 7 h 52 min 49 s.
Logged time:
3 h 55 min 57 s
